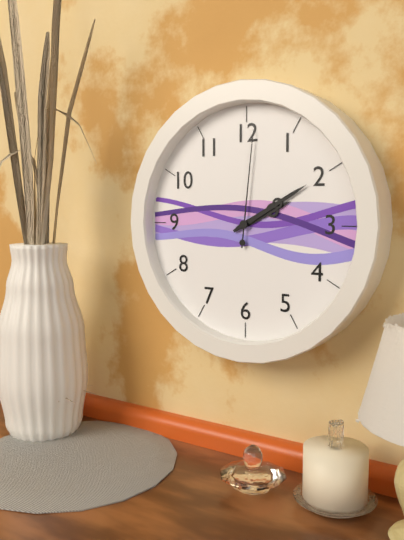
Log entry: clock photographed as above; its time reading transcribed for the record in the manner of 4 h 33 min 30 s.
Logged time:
2 h 10 min 01 s
